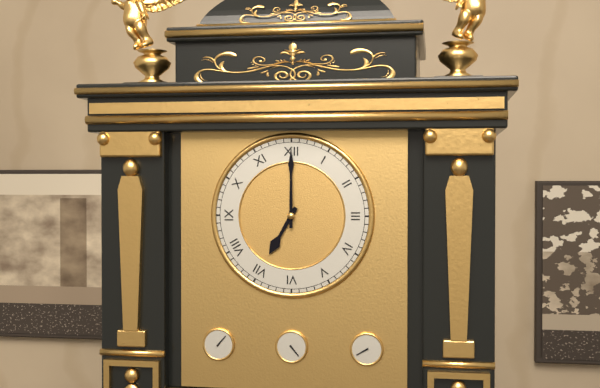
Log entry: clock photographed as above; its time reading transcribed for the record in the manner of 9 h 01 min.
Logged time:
7 h 00 min
